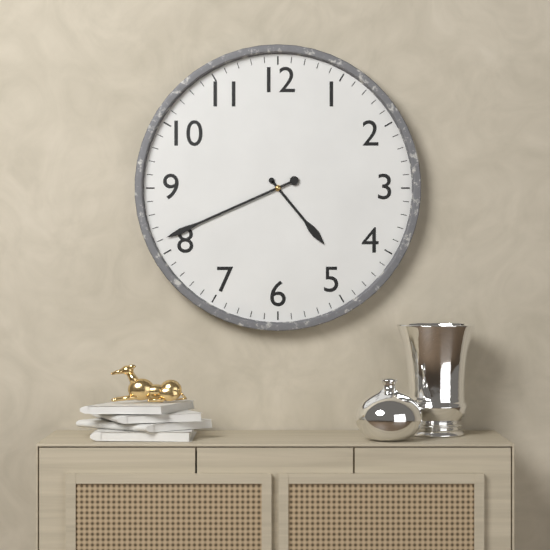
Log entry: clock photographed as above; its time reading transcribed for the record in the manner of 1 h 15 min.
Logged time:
4 h 41 min
